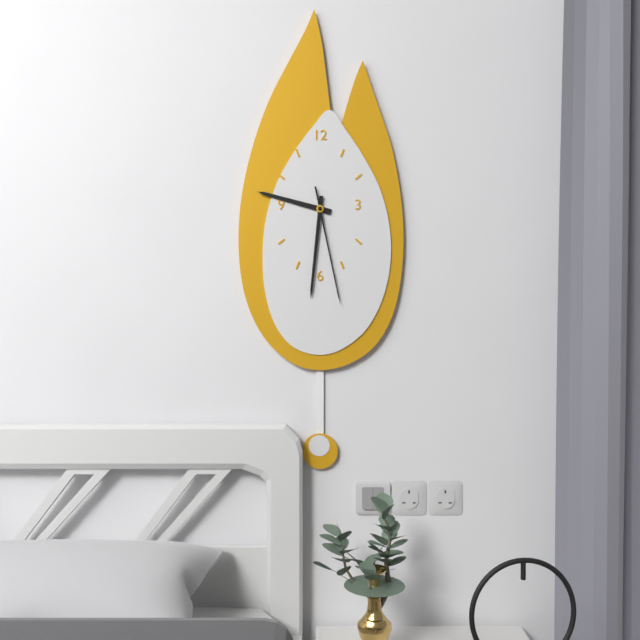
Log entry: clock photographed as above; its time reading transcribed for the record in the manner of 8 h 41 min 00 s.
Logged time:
9 h 31 min 28 s
